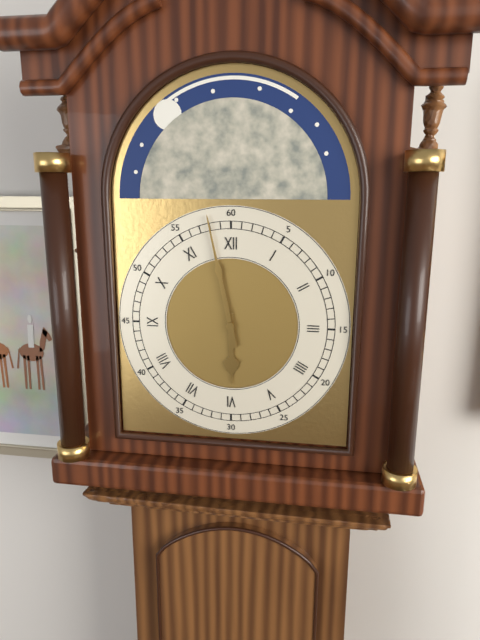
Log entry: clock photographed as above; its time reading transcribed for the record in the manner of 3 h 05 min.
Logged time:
5 h 58 min
